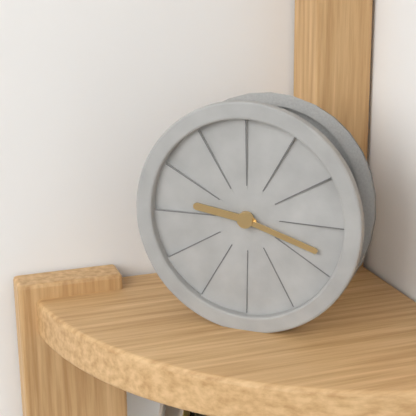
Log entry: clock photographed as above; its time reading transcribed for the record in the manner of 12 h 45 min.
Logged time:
9 h 18 min
